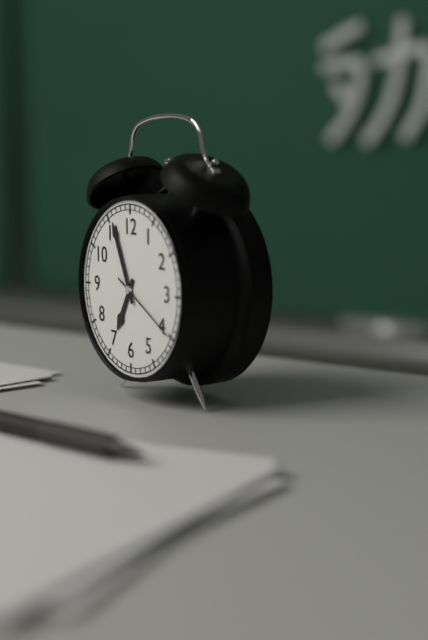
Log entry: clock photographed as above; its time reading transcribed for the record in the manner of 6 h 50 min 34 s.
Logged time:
6 h 56 min 20 s
